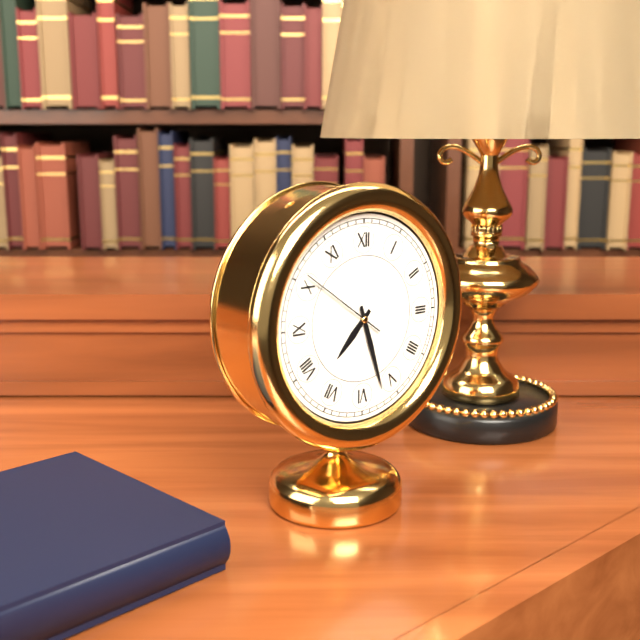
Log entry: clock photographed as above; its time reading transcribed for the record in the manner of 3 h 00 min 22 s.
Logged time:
7 h 27 min 51 s
